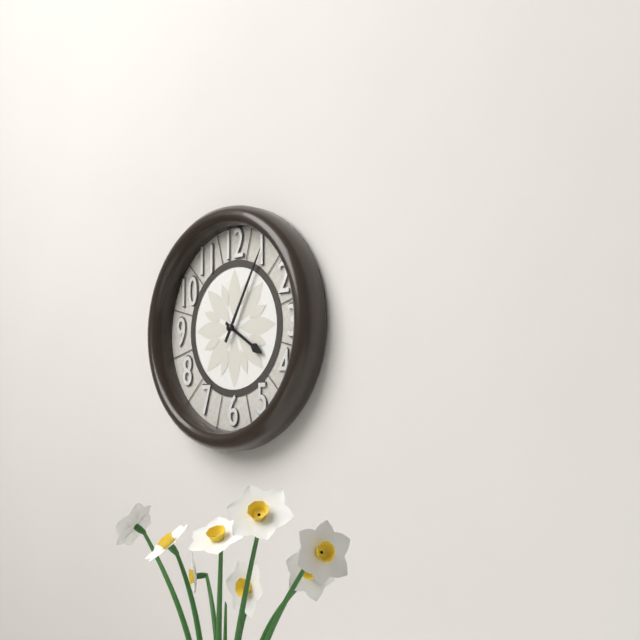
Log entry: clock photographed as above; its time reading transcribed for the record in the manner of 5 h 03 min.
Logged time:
4 h 05 min
